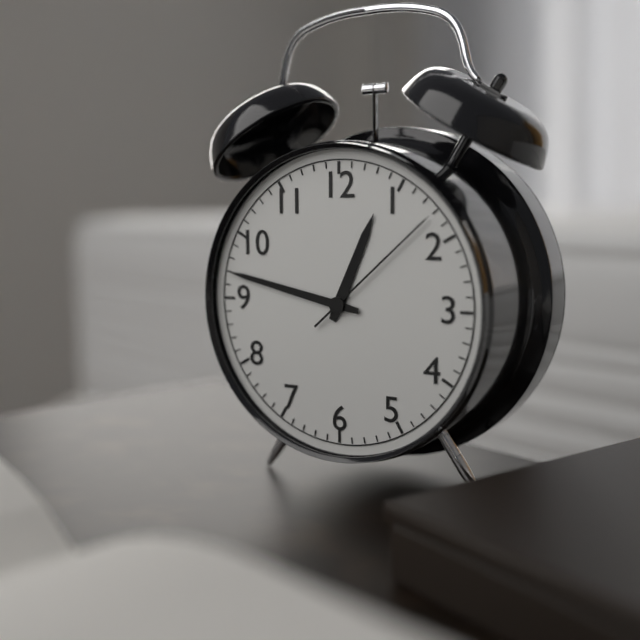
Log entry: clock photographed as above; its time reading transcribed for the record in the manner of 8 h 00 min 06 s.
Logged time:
12 h 47 min 08 s
